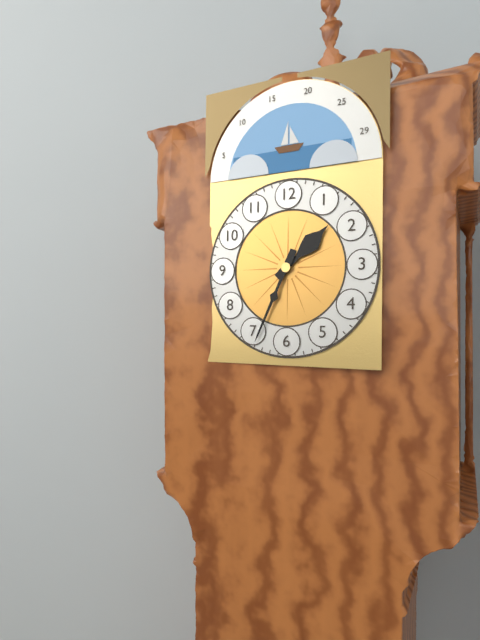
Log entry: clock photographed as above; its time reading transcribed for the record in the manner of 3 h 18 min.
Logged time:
1 h 34 min
